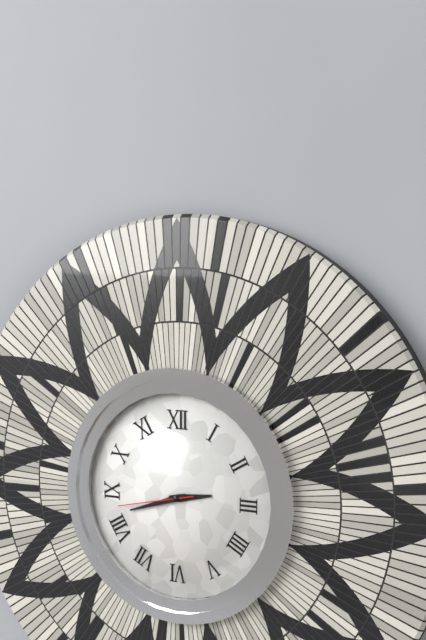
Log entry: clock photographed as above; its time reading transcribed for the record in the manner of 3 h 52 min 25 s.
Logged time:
2 h 42 min 43 s
